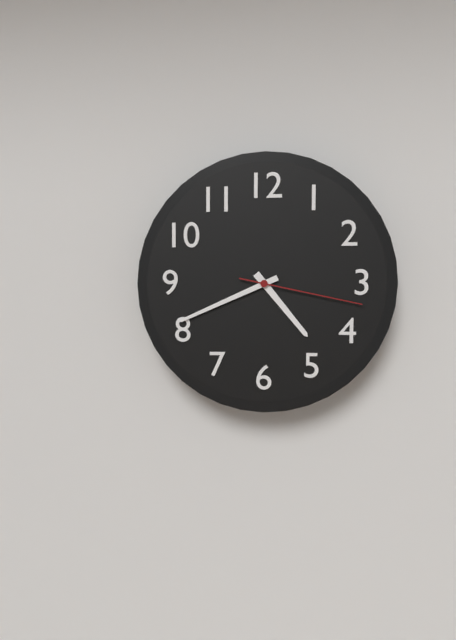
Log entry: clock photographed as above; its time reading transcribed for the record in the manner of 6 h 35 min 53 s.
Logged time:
4 h 41 min 17 s
